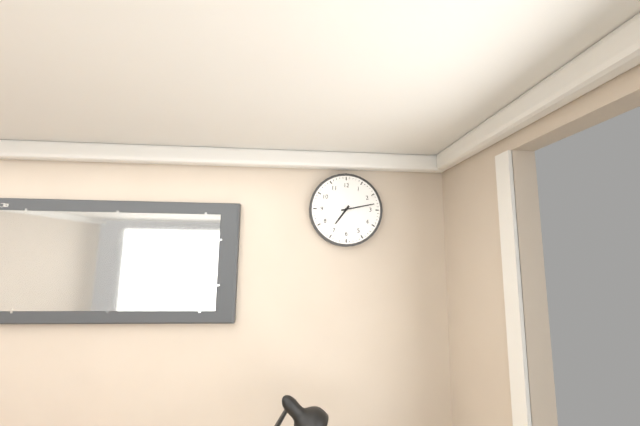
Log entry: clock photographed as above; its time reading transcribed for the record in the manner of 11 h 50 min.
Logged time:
7 h 13 min
